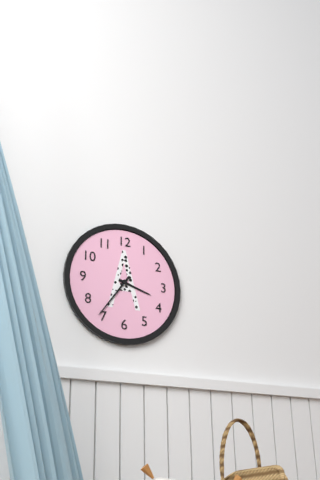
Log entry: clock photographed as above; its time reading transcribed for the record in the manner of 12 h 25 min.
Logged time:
3 h 36 min
